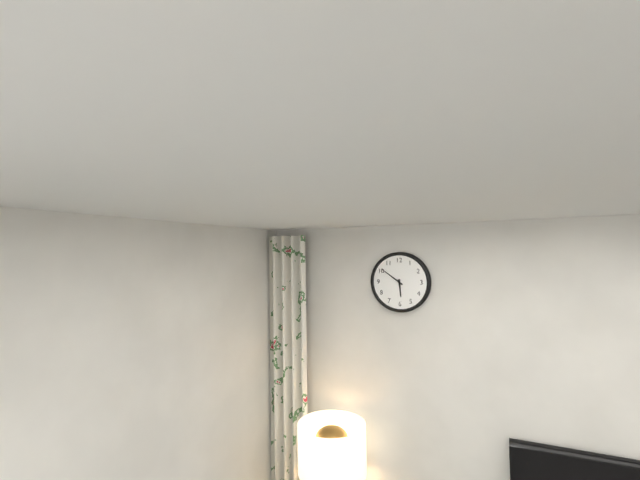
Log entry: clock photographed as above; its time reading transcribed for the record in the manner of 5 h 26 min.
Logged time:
5 h 51 min
